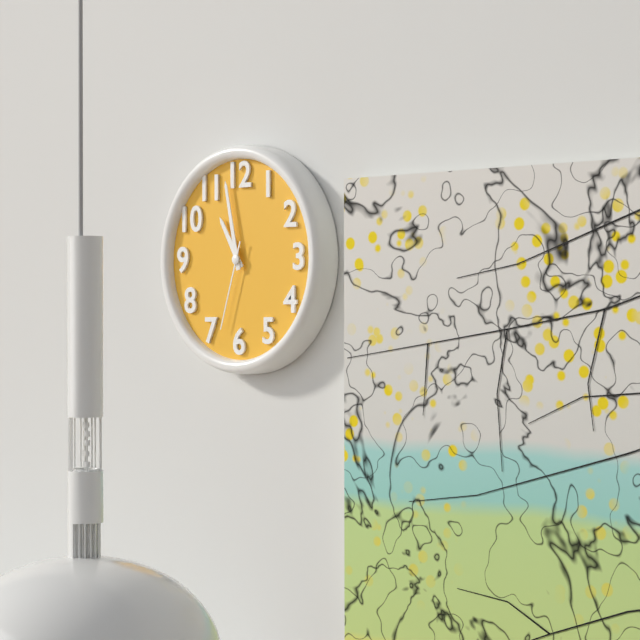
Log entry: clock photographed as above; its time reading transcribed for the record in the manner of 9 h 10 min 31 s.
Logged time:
10 h 58 min 33 s
